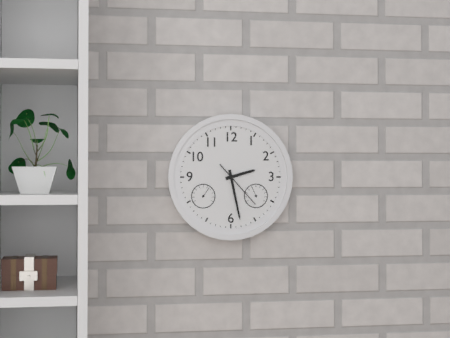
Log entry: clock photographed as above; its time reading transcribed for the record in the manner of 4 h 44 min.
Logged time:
2 h 28 min
